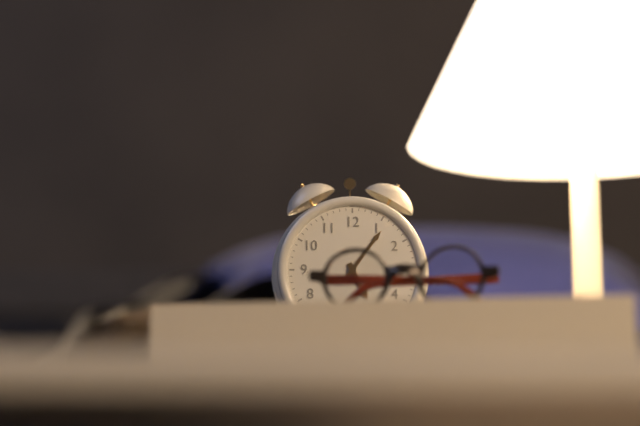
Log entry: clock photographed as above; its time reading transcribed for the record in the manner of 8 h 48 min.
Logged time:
5 h 06 min
